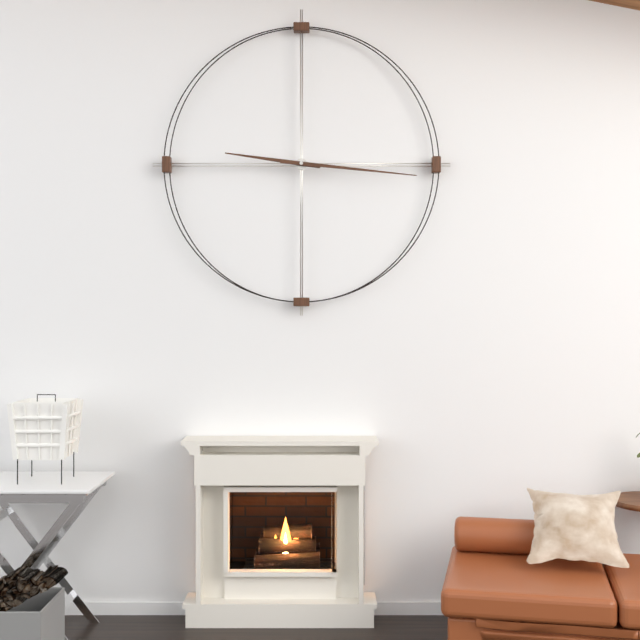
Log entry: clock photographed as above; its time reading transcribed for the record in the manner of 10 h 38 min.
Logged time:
9 h 16 min
